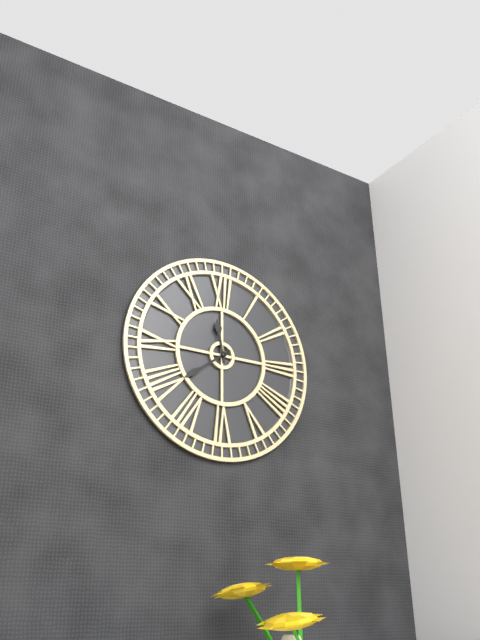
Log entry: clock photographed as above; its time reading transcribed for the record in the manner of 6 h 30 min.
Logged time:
11 h 39 min
